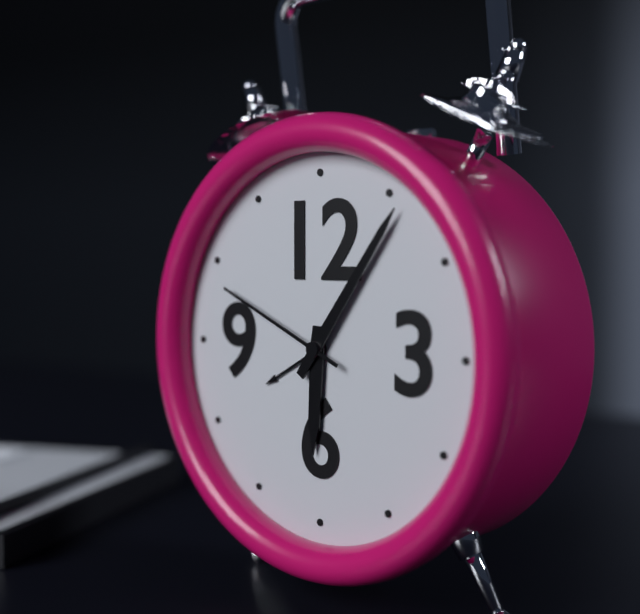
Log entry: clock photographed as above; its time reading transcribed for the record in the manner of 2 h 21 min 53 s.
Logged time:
6 h 06 min 49 s
